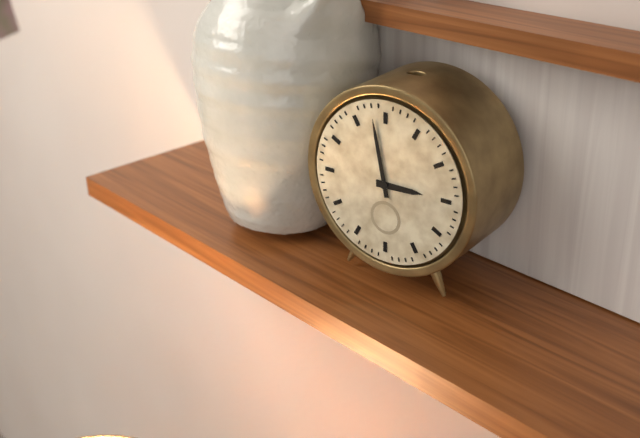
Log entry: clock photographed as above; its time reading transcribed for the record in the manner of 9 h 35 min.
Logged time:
2 h 58 min
